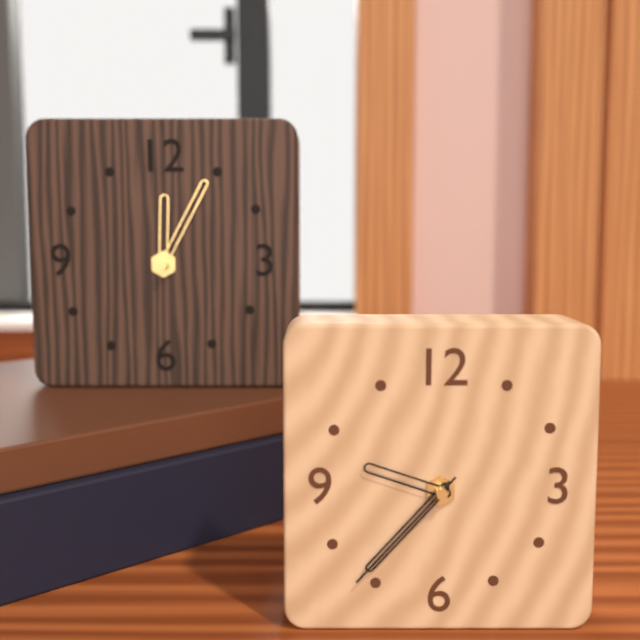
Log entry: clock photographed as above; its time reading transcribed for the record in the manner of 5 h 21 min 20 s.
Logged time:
9 h 37 min 37 s
